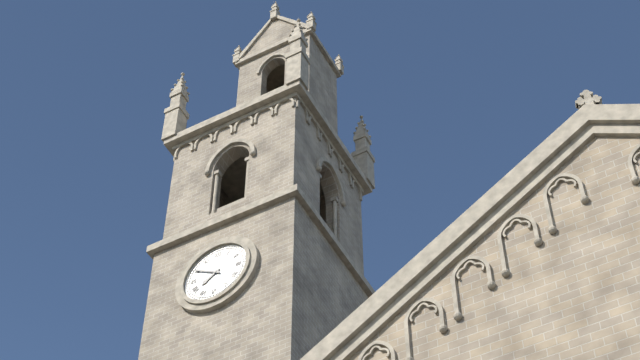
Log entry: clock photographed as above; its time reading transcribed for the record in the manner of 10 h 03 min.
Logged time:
7 h 50 min
